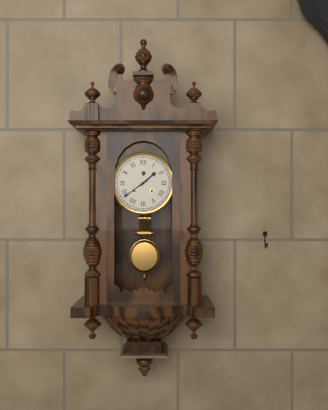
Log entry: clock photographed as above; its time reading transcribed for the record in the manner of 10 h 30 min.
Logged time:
1 h 39 min
